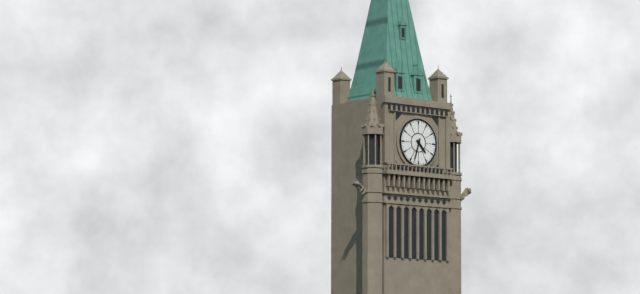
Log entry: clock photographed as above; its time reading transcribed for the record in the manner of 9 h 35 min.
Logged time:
4 h 33 min
